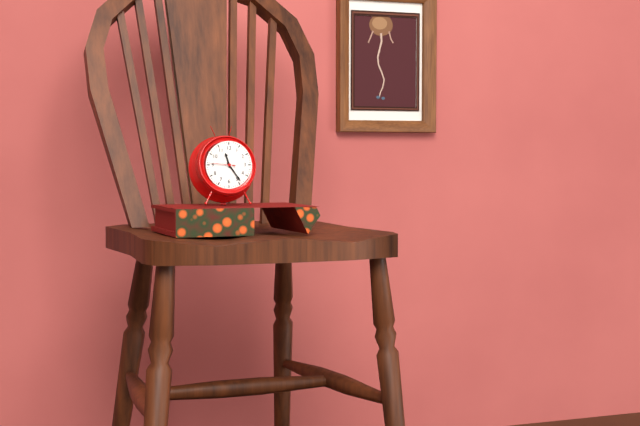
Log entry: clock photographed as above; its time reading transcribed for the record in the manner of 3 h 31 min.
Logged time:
11 h 24 min
